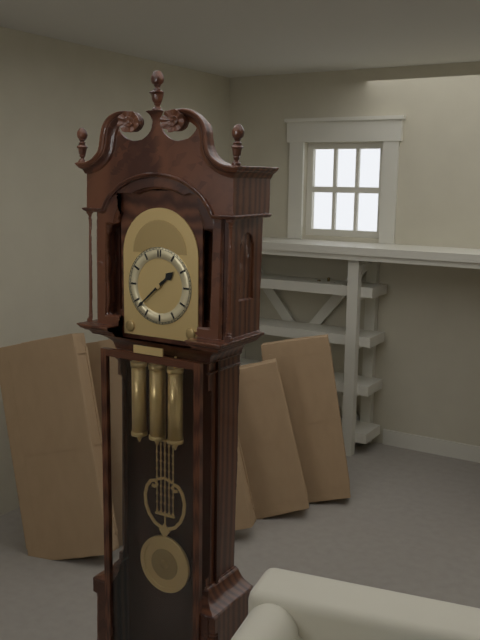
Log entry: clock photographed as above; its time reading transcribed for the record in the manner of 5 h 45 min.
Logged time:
1 h 38 min
